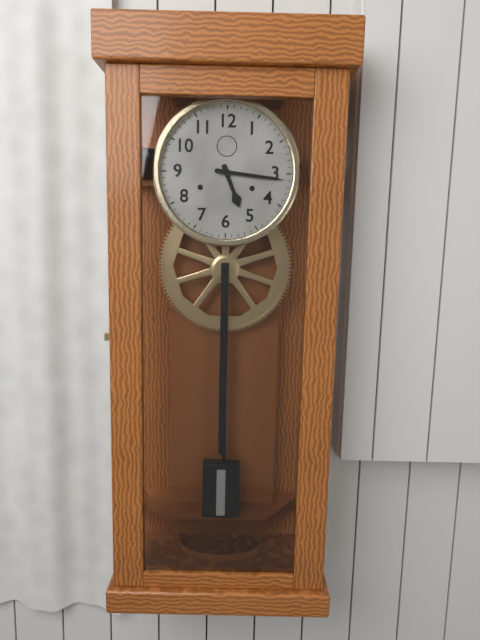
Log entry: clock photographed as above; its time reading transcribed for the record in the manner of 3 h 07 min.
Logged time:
5 h 16 min
